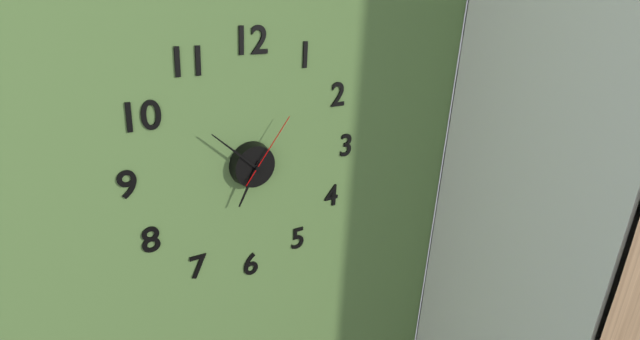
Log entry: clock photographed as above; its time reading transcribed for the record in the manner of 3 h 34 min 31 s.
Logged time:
6 h 52 min 06 s
